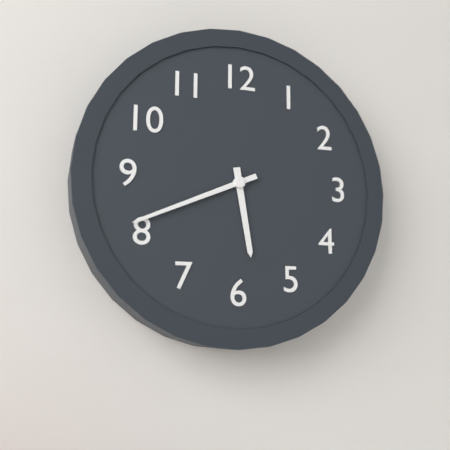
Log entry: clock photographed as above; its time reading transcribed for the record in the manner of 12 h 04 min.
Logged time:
5 h 41 min
